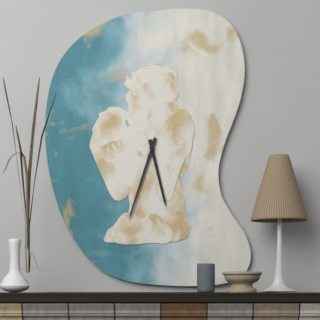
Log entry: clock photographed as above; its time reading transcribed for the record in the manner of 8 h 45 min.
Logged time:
5 h 33 min
